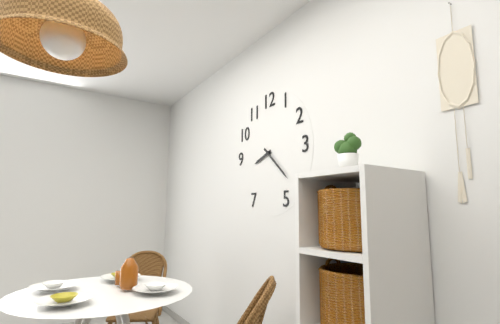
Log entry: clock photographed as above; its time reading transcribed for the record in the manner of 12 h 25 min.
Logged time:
8 h 22 min
